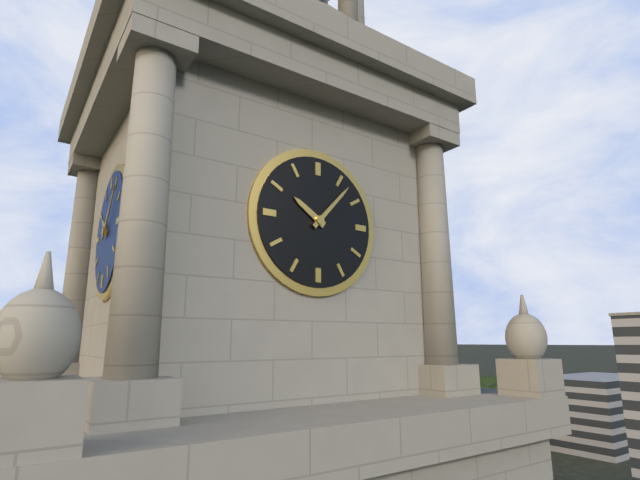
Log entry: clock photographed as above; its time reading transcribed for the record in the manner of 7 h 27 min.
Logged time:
10 h 07 min
